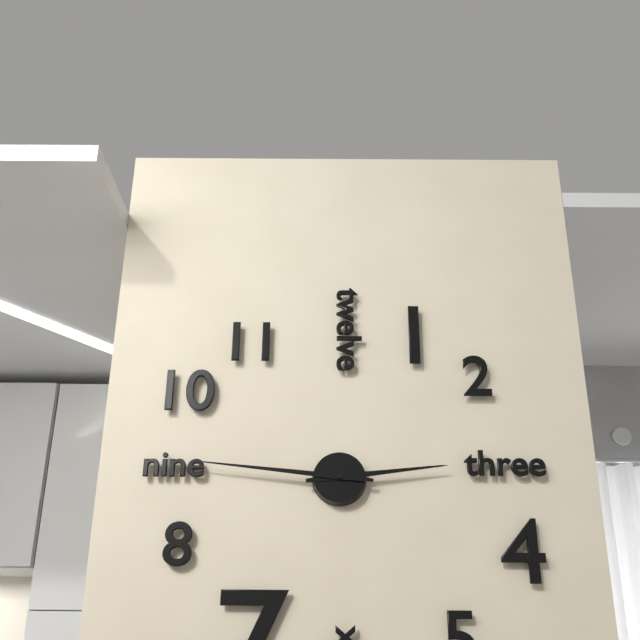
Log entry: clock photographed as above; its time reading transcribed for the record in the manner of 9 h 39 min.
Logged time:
2 h 46 min
